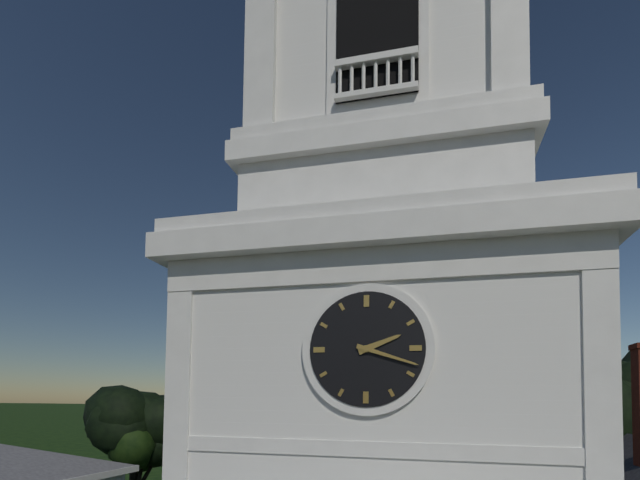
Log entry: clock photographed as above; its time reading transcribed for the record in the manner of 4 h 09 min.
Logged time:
2 h 18 min
